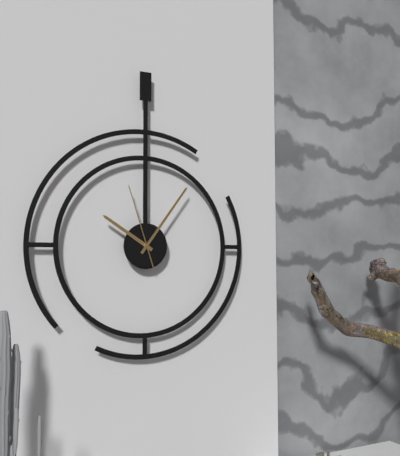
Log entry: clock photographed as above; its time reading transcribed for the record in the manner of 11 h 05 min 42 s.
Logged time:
10 h 06 min 57 s
